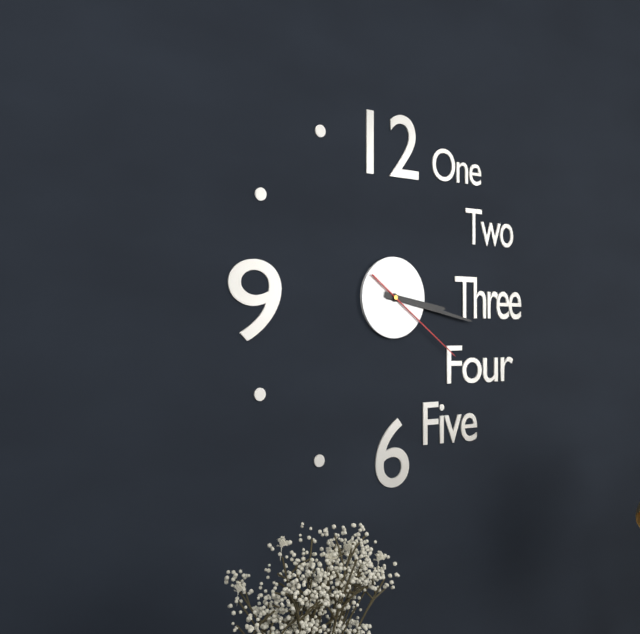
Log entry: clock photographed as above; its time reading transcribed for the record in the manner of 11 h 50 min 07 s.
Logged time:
3 h 17 min 21 s
